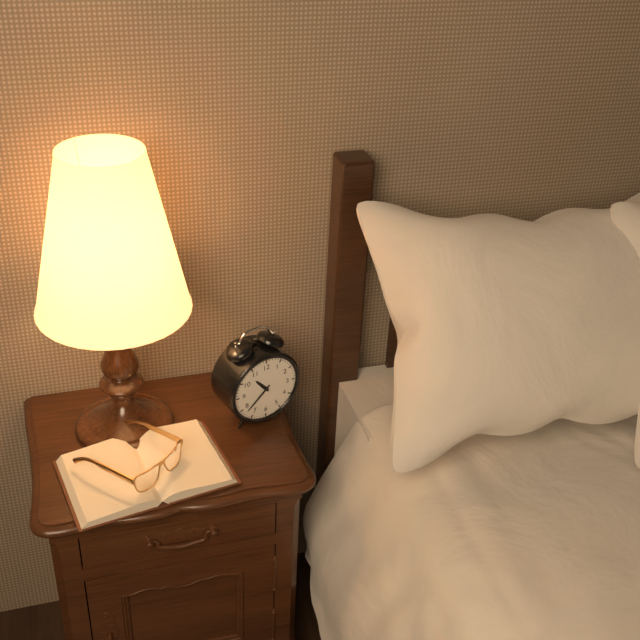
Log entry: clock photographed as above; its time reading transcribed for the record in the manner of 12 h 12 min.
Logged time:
10 h 38 min
